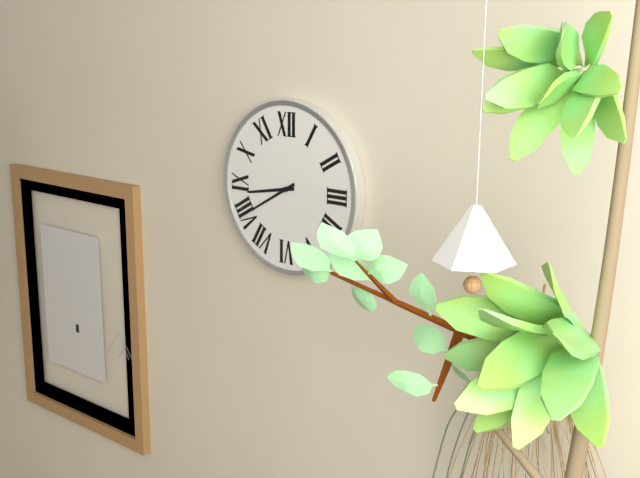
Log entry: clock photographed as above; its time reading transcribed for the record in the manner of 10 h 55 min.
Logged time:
8 h 40 min
